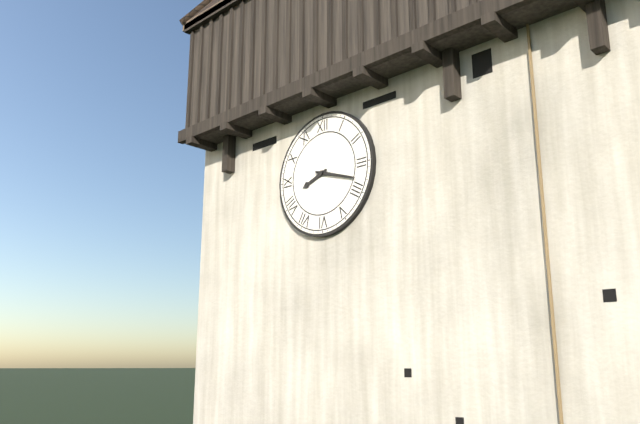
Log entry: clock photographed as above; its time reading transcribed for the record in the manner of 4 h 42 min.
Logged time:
8 h 18 min
